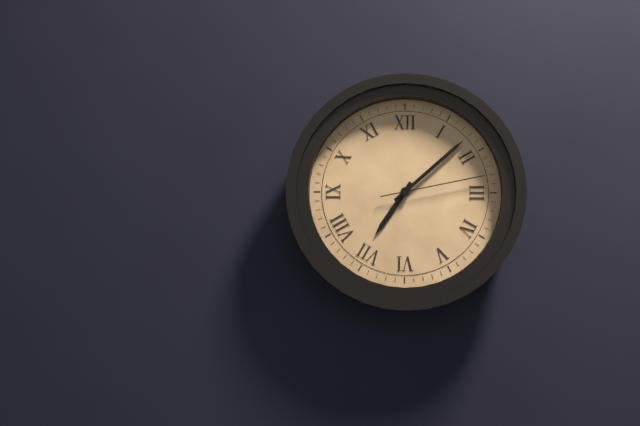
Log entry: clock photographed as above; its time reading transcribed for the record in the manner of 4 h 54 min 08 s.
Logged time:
7 h 08 min 13 s
